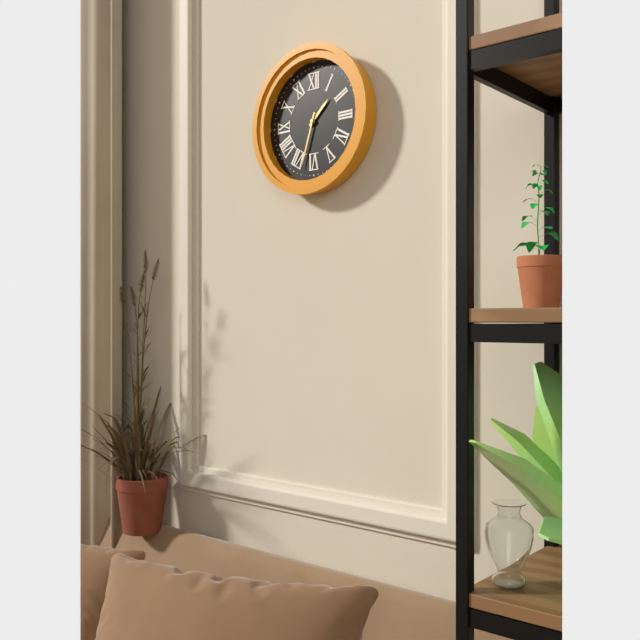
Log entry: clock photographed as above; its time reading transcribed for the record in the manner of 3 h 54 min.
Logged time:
1 h 33 min
